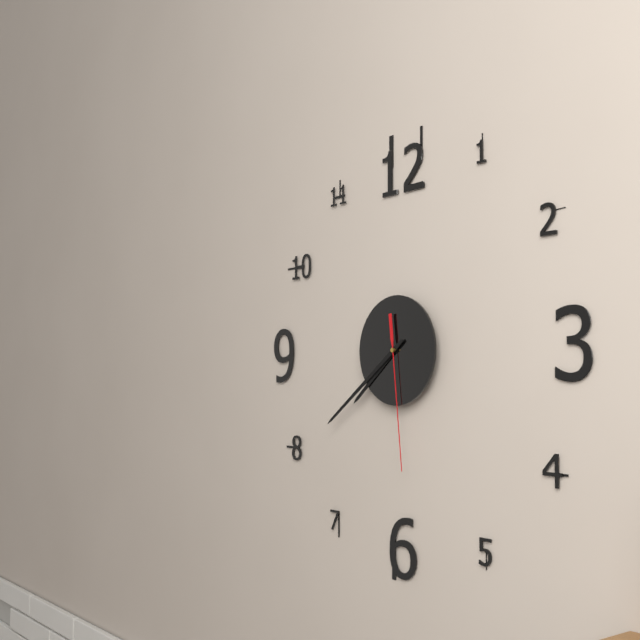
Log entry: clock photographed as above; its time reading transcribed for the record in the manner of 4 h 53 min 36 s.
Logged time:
7 h 39 min 29 s
